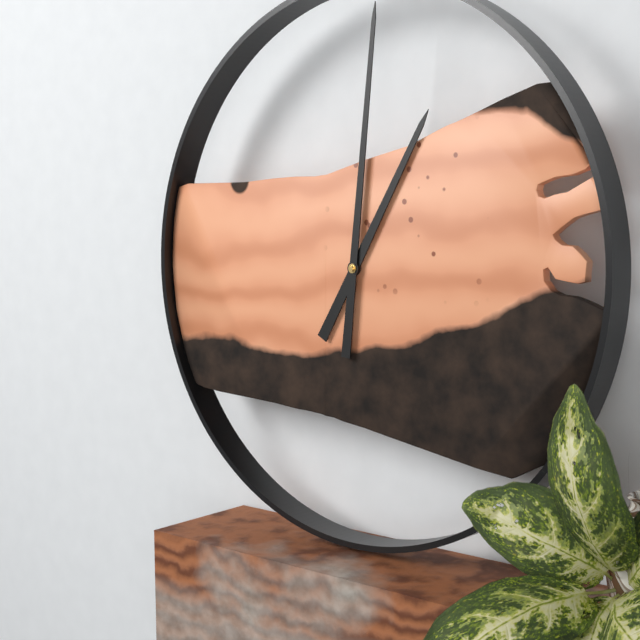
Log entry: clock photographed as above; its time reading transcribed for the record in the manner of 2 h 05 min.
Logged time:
1 h 01 min
